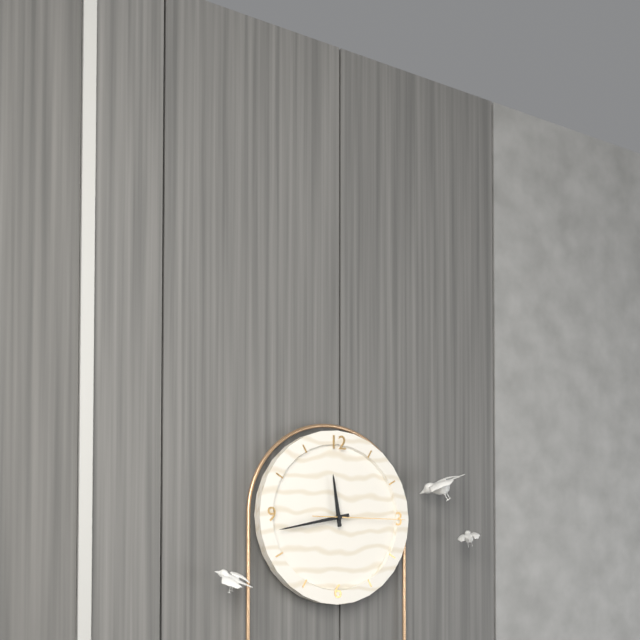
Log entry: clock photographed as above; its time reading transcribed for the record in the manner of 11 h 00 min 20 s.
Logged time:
11 h 43 min 15 s
